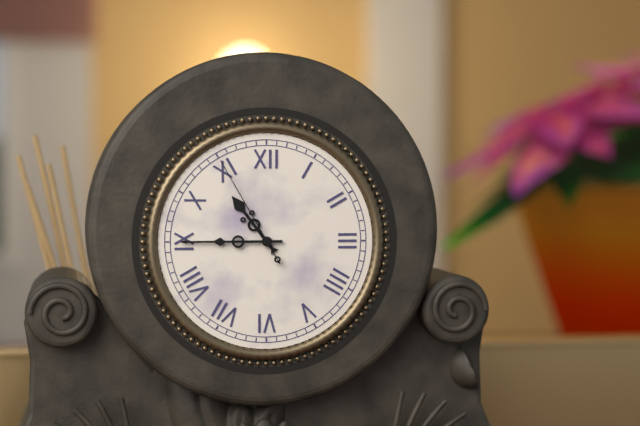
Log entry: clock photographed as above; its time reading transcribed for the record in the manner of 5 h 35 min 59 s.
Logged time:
10 h 45 min 55 s
